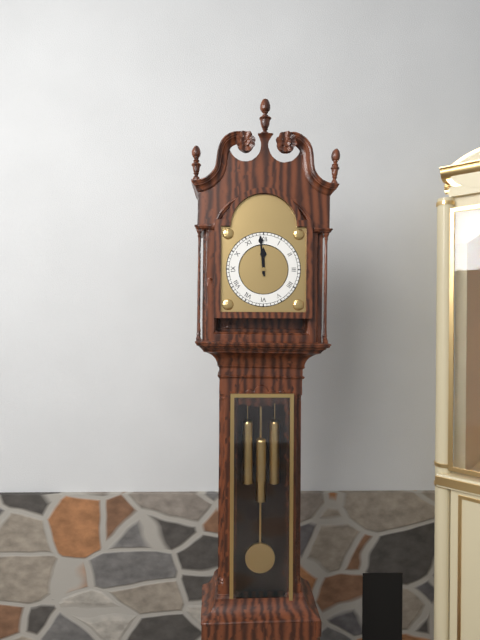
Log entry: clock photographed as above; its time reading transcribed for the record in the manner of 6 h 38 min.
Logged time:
11 h 59 min
